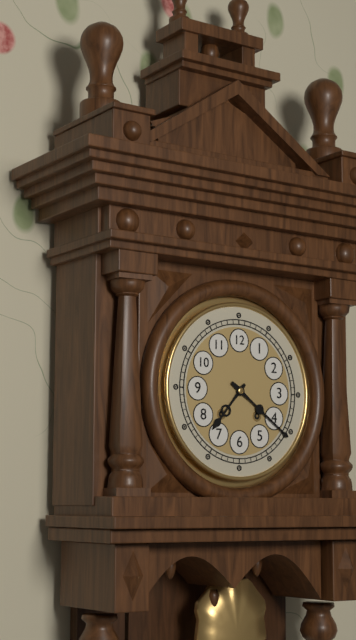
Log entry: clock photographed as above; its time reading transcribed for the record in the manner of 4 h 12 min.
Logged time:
7 h 21 min
